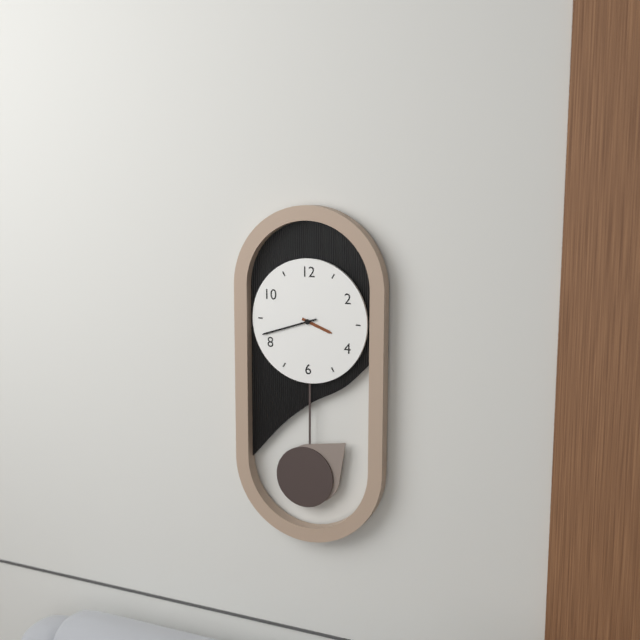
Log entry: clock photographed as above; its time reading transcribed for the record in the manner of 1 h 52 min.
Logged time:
3 h 42 min
